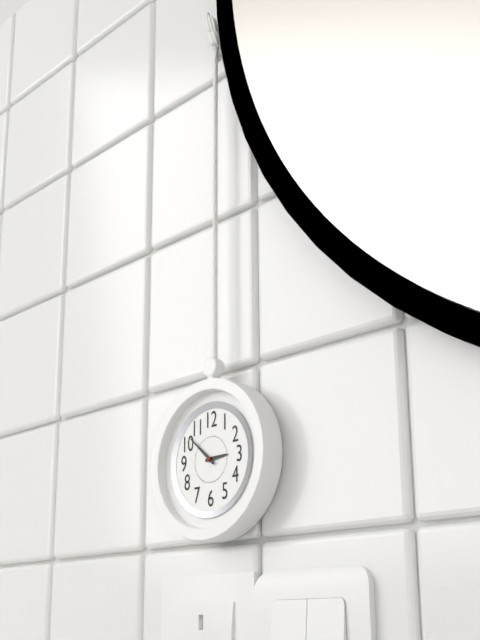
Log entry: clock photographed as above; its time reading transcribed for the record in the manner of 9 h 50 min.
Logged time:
2 h 52 min
